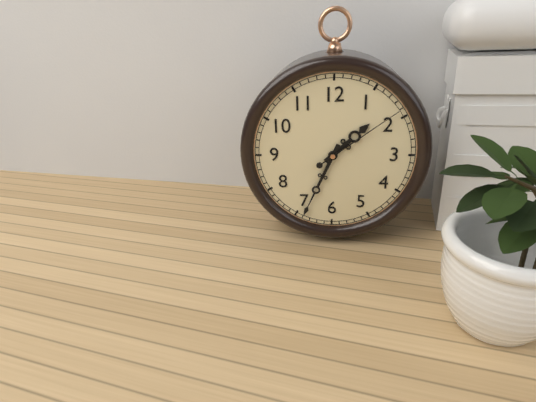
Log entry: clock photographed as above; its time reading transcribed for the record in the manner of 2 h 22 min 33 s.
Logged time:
1 h 34 min 09 s
